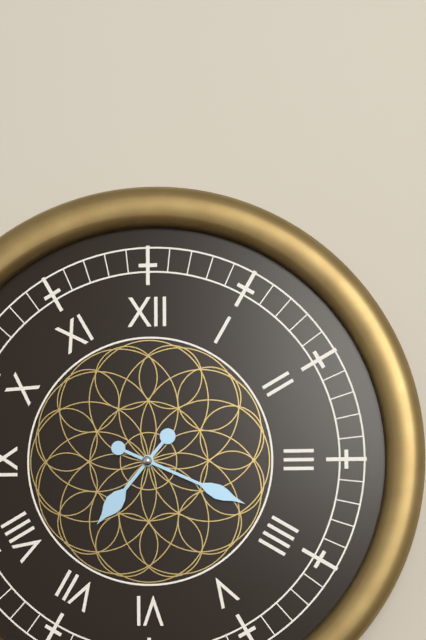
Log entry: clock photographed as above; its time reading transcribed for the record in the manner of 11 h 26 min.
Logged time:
7 h 19 min
